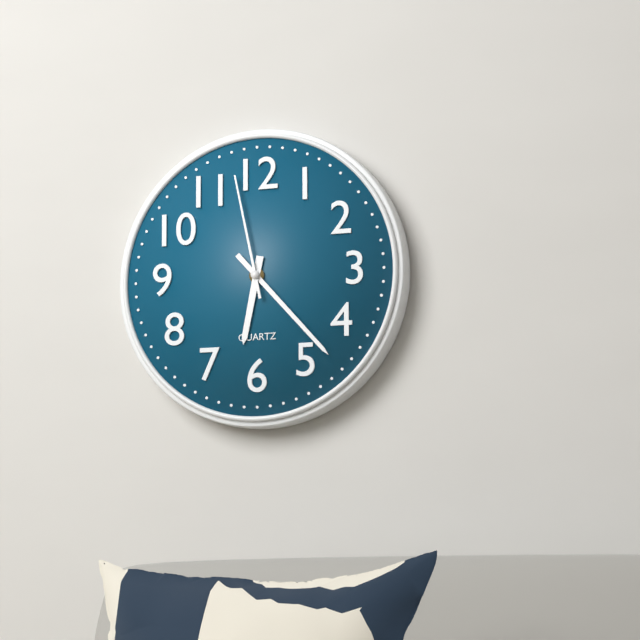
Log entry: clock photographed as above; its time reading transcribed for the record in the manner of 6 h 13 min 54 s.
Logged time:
6 h 23 min 58 s
